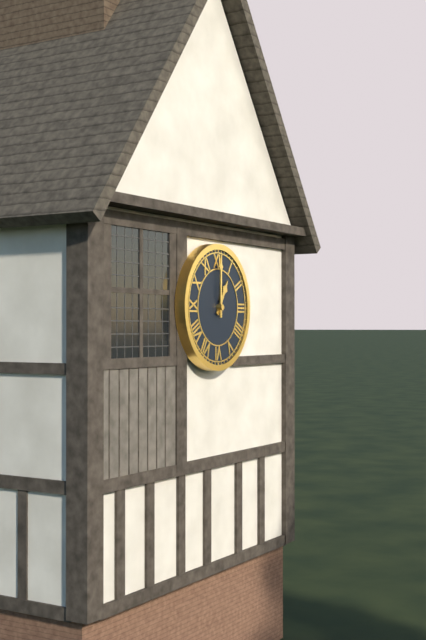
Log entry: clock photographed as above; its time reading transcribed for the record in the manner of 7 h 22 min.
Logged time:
1 h 00 min
